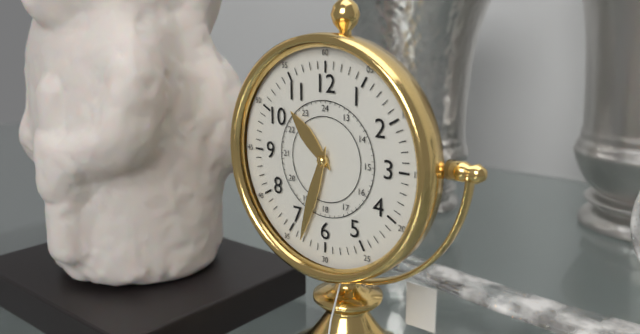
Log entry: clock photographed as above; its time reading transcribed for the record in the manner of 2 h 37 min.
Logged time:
10 h 33 min
